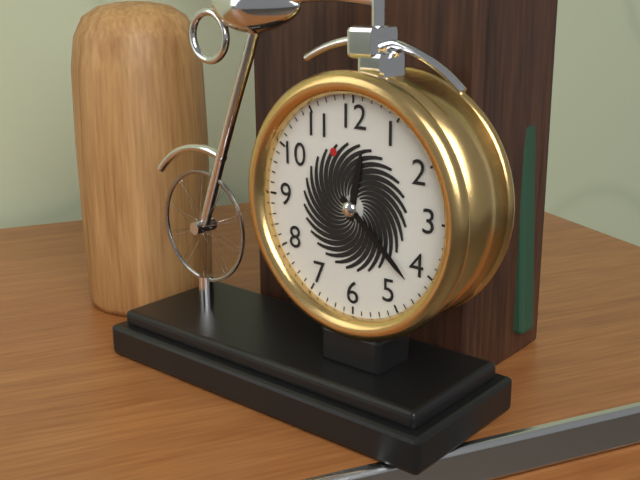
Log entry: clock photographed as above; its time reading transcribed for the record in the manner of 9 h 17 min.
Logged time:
12 h 22 min
